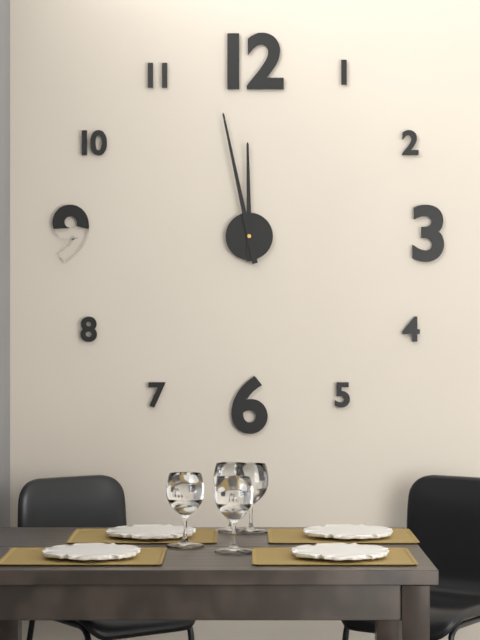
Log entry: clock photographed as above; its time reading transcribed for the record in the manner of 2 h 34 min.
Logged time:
11 h 58 min
